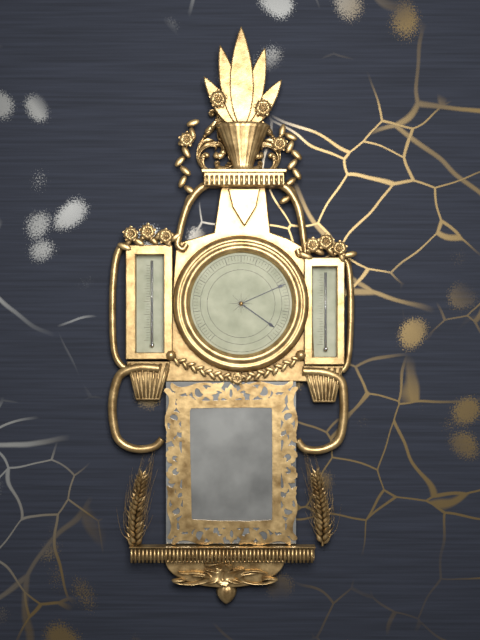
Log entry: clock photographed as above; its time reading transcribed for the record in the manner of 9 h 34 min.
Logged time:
4 h 11 min
